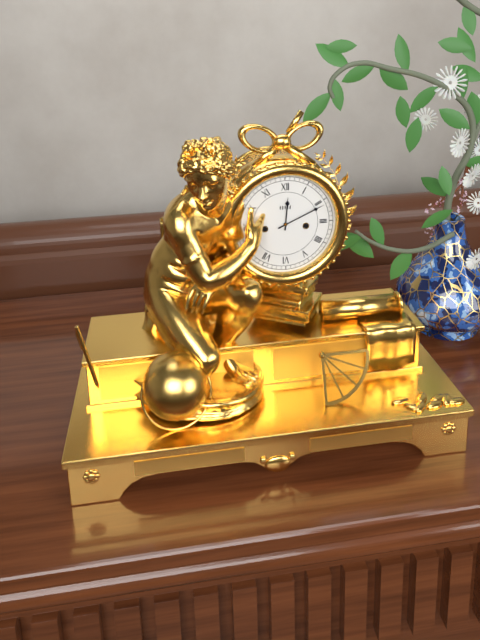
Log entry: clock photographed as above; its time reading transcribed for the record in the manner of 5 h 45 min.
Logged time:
12 h 11 min
